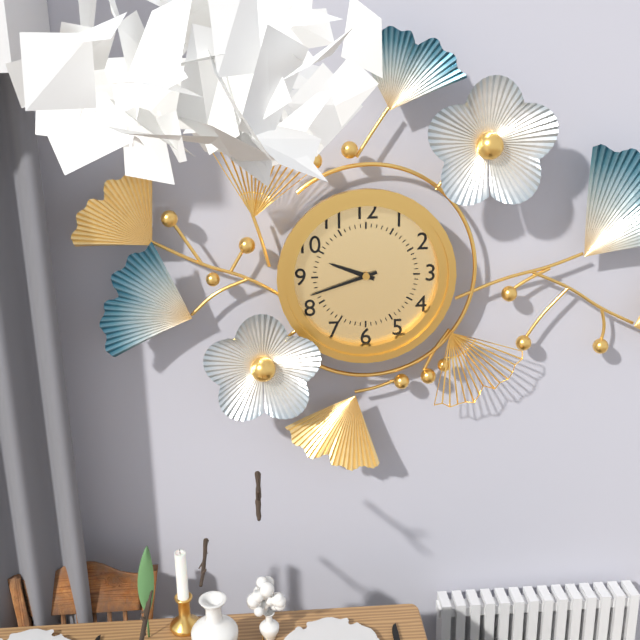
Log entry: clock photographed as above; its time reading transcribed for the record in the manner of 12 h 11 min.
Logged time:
9 h 42 min
